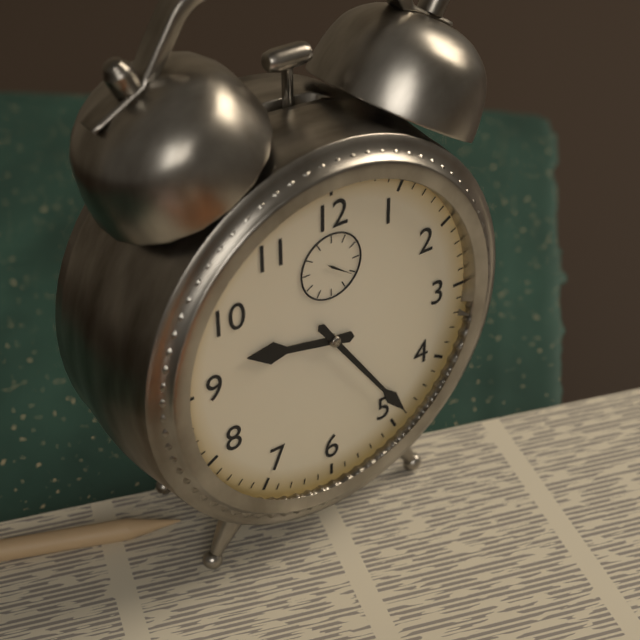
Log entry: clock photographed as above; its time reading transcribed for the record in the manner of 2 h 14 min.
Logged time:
9 h 24 min
